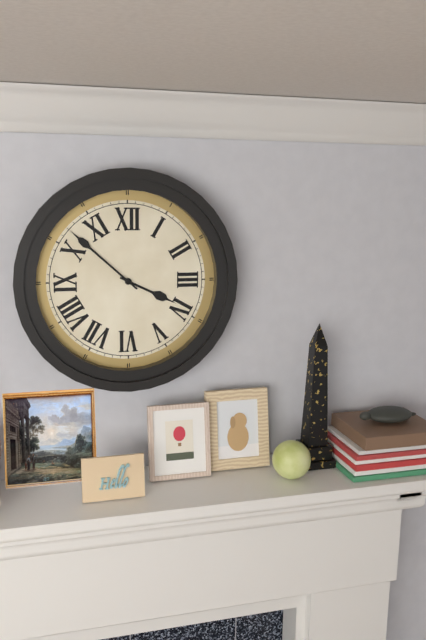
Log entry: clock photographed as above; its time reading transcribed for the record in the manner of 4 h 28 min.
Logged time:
3 h 52 min
